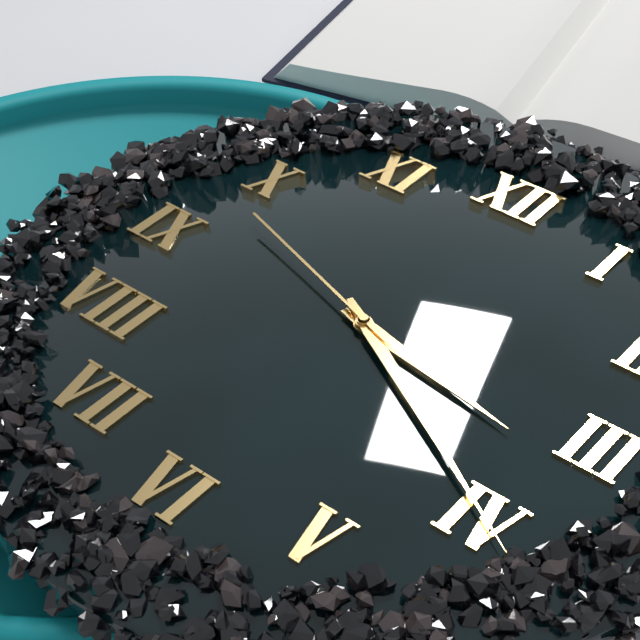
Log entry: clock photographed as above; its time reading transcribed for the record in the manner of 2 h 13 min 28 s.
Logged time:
3 h 20 min 48 s
